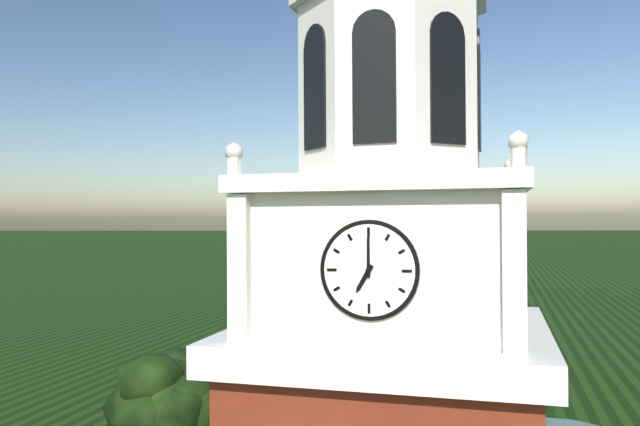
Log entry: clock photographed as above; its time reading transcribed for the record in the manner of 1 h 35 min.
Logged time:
7 h 00 min
